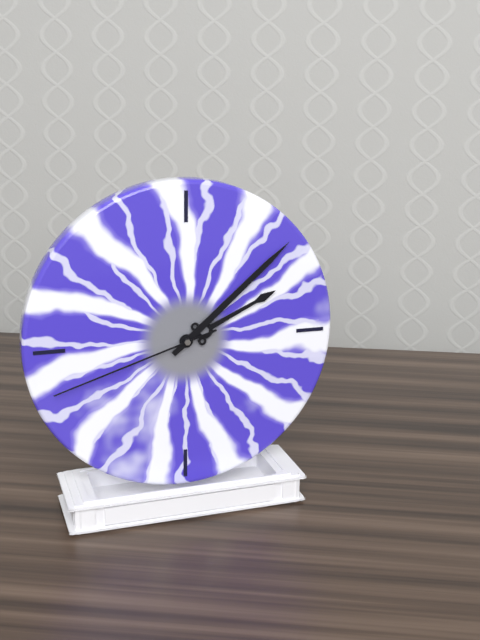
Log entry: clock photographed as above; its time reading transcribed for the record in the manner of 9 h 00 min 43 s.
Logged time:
2 h 08 min 42 s
